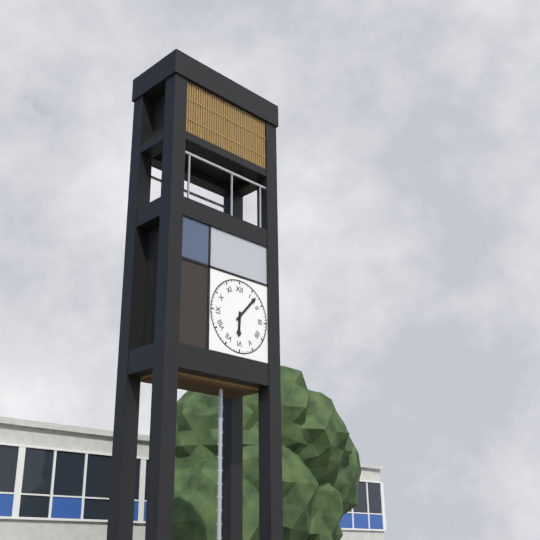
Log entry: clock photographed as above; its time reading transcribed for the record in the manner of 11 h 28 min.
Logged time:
6 h 07 min
